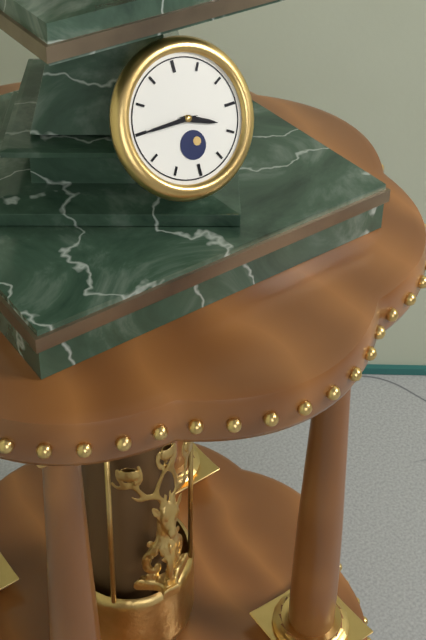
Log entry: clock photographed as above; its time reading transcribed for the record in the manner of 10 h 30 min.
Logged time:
3 h 45 min
